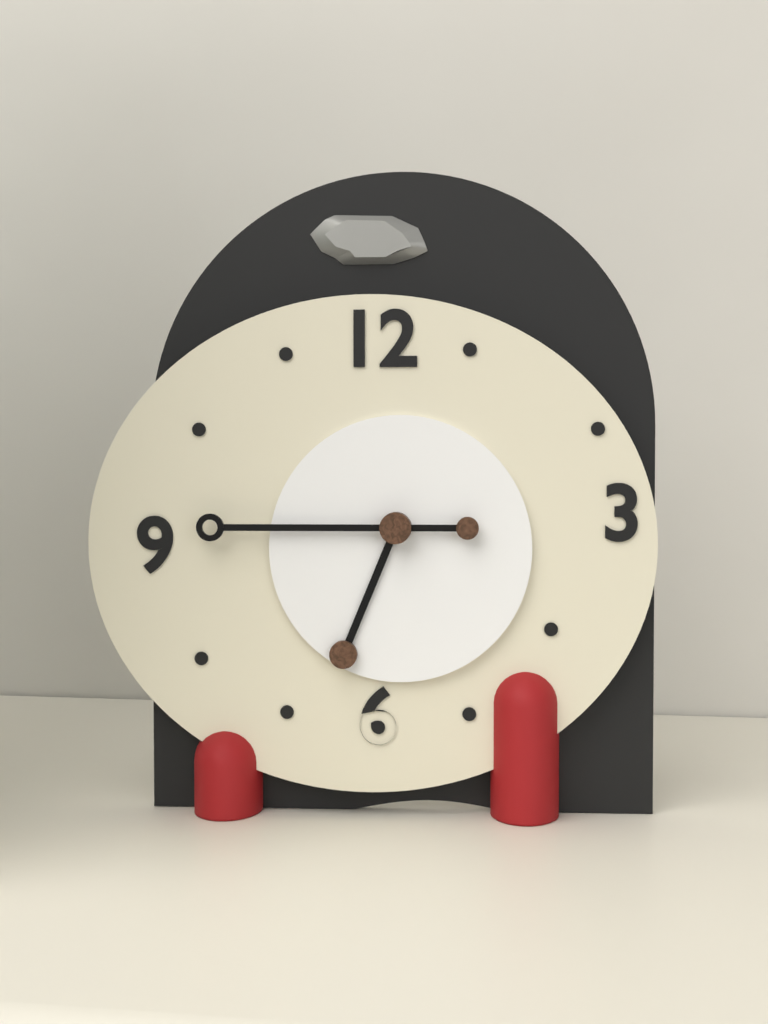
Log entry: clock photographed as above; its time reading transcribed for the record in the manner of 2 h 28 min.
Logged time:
6 h 45 min
